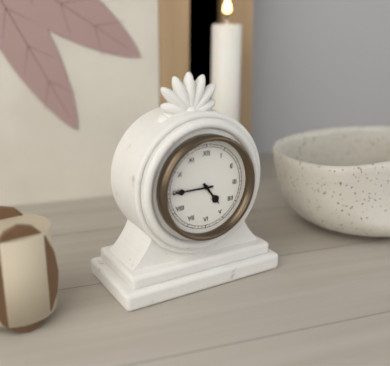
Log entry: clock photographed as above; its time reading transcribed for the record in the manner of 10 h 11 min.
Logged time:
4 h 45 min
